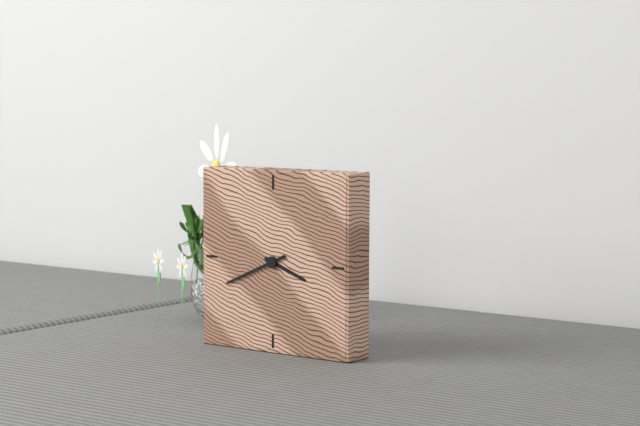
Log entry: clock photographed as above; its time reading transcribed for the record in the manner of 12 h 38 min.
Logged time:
3 h 41 min
